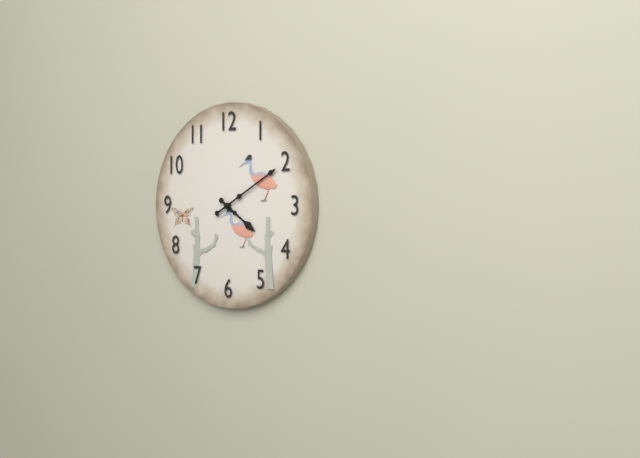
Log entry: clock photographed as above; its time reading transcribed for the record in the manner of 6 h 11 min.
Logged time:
4 h 10 min
